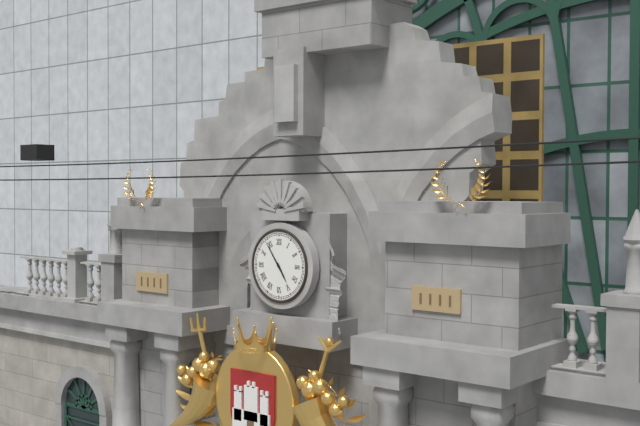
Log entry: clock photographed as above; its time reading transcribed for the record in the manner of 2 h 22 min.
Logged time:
4 h 54 min
